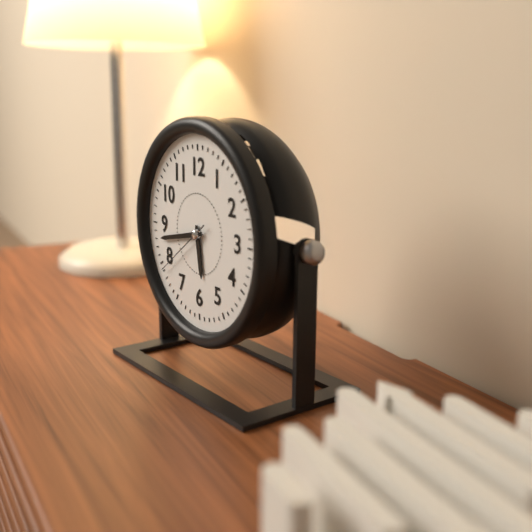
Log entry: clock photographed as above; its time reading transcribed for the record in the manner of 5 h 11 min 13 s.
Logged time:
5 h 43 min 39 s
